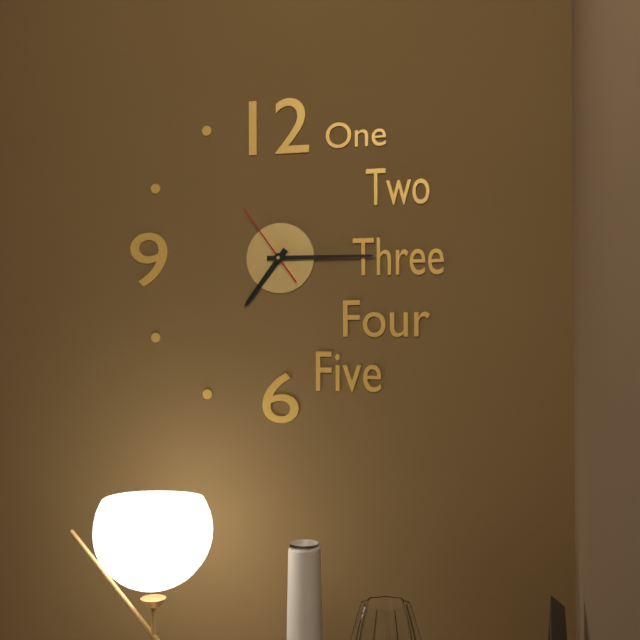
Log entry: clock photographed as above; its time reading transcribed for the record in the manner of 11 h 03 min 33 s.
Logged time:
7 h 15 min 54 s
